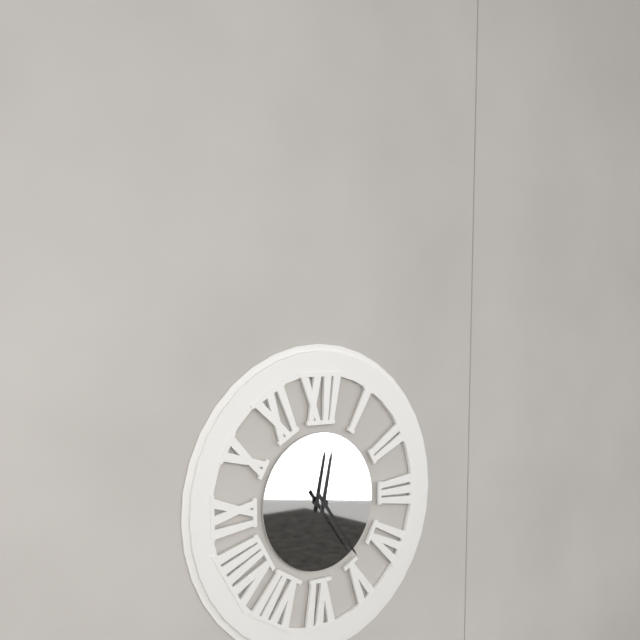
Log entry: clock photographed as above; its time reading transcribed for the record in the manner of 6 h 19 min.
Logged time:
12 h 24 min
